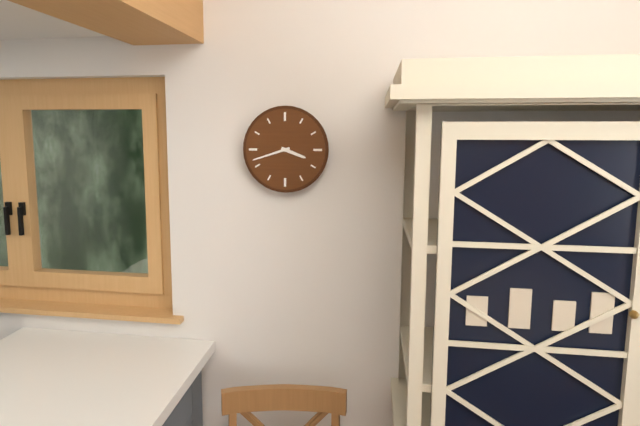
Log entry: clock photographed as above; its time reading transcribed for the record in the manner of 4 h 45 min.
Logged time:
3 h 42 min
